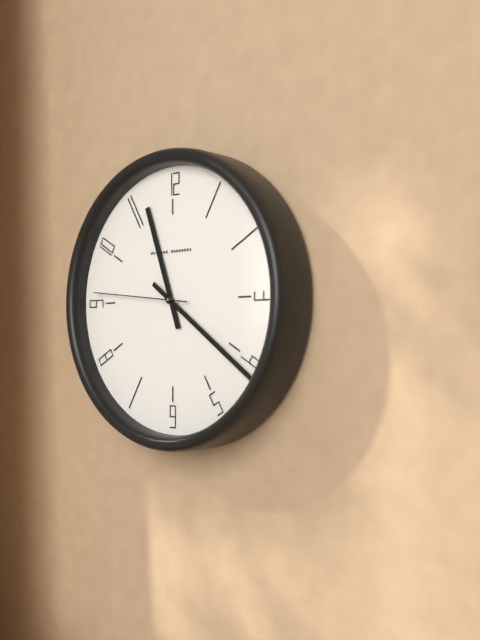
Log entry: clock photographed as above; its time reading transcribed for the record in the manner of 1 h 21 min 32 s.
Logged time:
11 h 21 min 46 s
